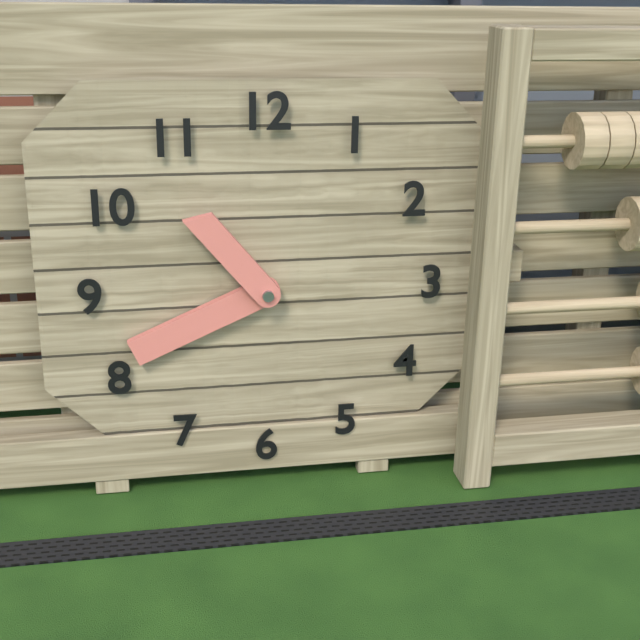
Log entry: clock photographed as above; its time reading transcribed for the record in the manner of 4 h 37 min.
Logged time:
10 h 41 min
